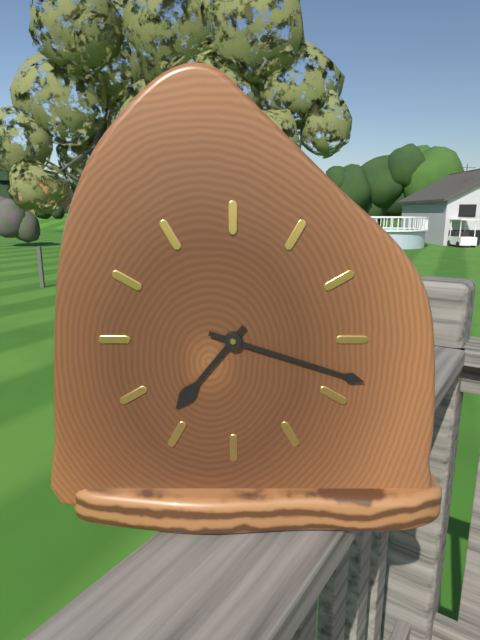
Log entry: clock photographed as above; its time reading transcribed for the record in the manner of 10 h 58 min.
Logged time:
7 h 18 min
